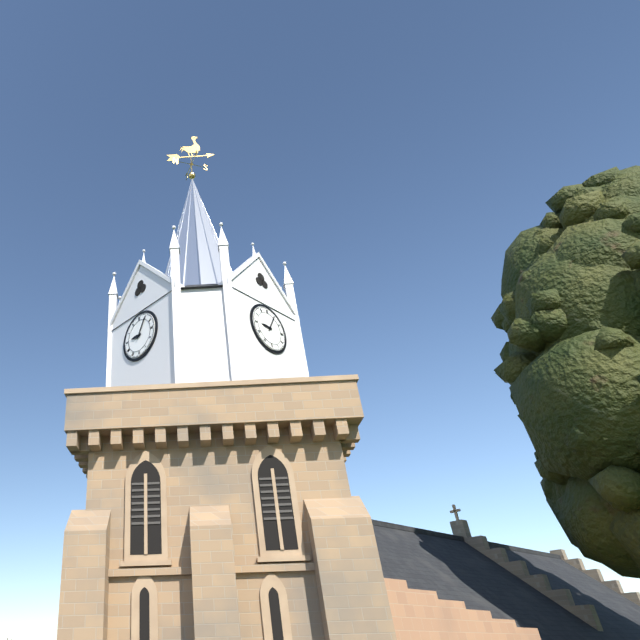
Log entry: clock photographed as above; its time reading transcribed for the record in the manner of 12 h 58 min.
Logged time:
9 h 05 min
